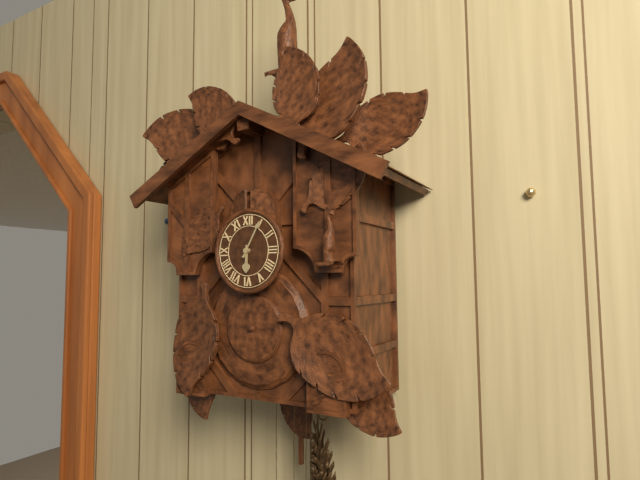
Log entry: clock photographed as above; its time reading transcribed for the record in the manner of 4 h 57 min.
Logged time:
6 h 05 min
